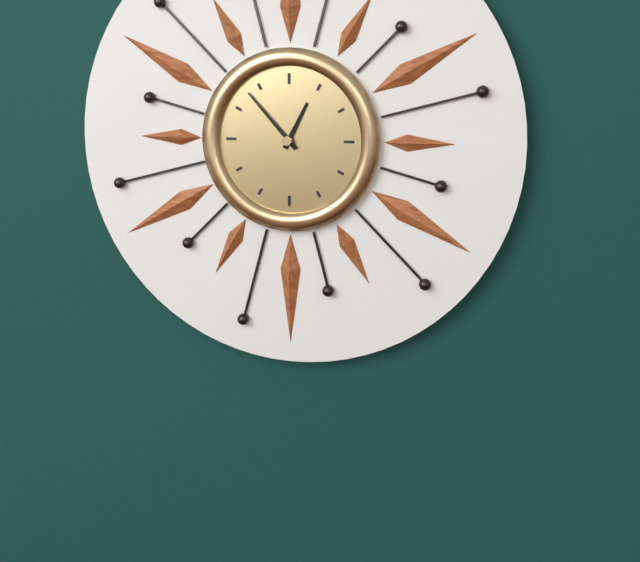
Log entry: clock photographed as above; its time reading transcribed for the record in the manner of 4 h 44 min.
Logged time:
12 h 53 min
